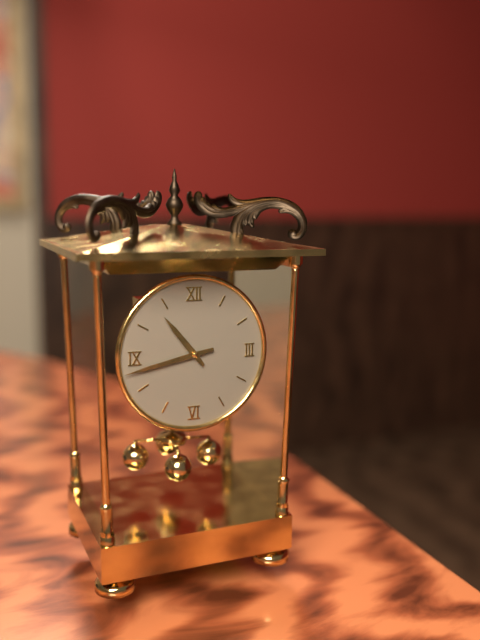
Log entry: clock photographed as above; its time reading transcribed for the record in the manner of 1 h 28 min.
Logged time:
10 h 43 min
